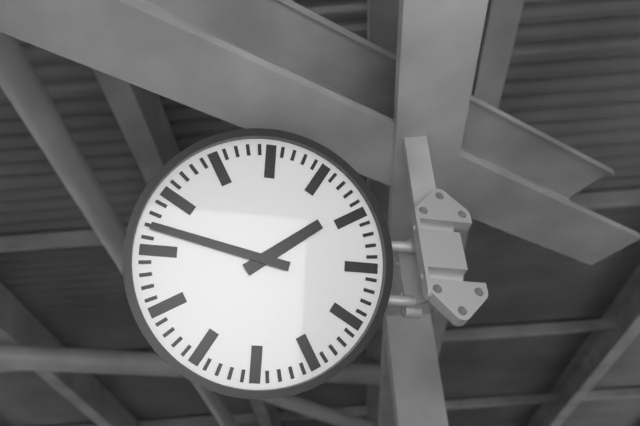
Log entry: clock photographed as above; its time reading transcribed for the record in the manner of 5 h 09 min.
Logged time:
1 h 47 min
